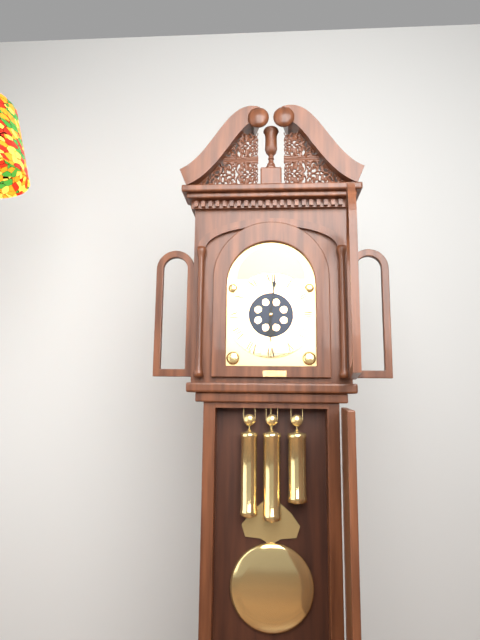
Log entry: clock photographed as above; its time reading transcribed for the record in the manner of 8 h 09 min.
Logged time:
6 h 01 min
